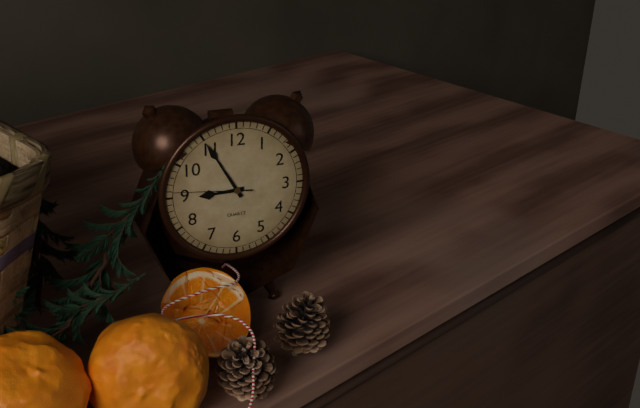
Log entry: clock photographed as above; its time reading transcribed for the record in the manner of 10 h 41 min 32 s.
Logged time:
8 h 55 min 46 s
